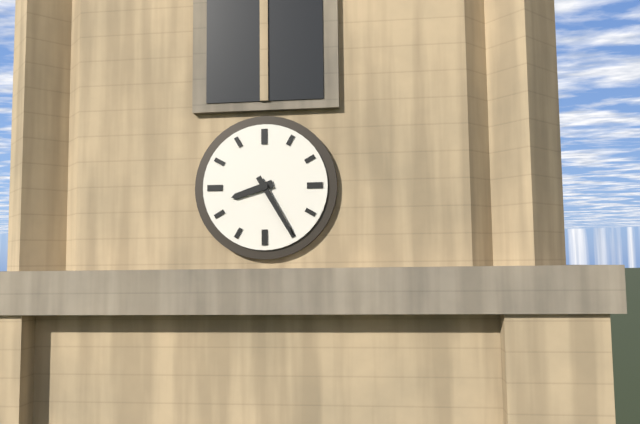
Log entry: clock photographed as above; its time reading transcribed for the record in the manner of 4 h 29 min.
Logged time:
8 h 25 min
